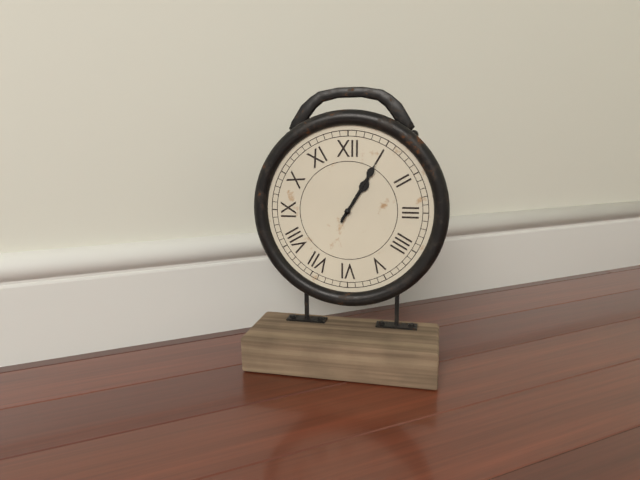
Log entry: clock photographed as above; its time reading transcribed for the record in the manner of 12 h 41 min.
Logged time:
1 h 05 min
